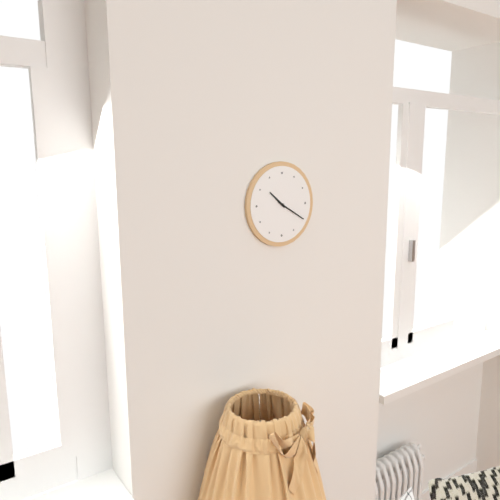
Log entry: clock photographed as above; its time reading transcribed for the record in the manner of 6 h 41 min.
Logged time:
10 h 20 min
